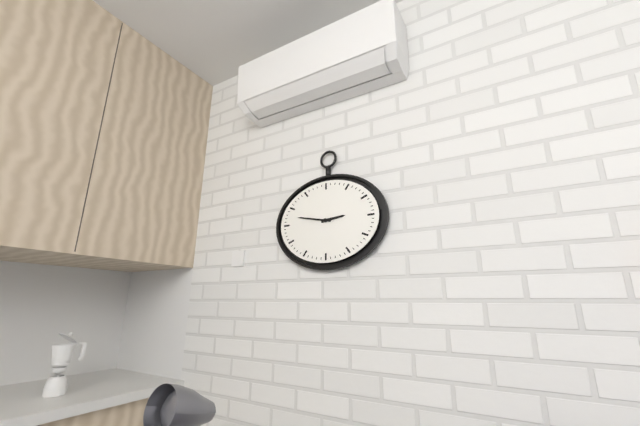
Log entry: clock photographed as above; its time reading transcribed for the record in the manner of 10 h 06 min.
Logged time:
2 h 47 min
